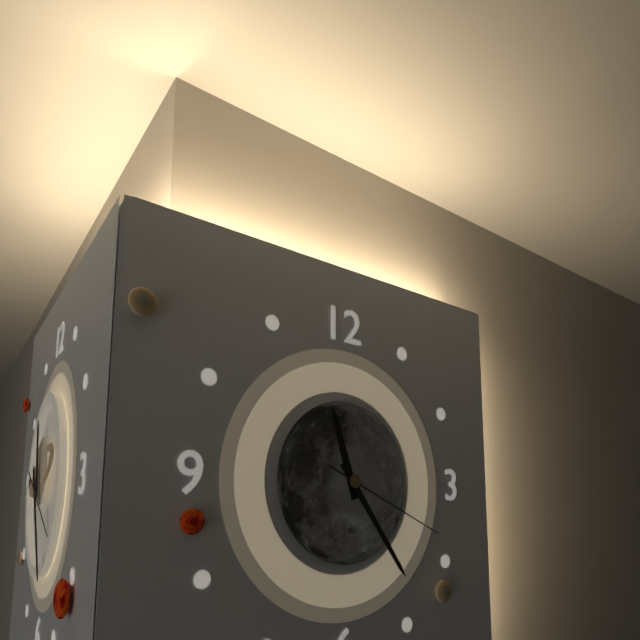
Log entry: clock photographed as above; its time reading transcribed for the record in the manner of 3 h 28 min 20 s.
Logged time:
11 h 24 min 19 s
